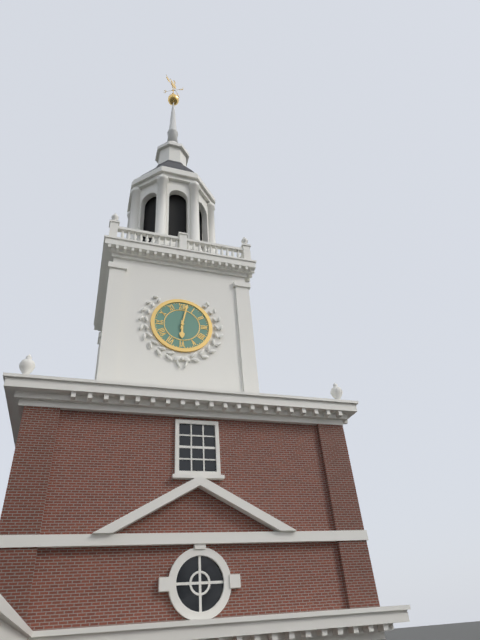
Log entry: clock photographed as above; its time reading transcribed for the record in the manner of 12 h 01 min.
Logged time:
6 h 02 min
